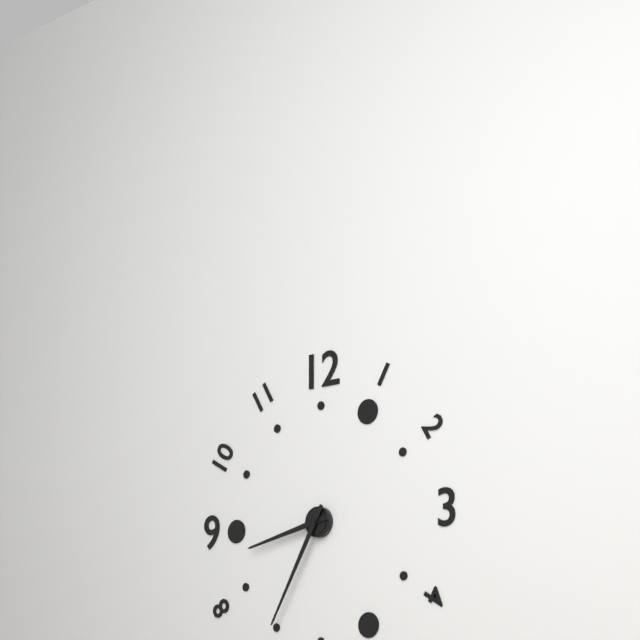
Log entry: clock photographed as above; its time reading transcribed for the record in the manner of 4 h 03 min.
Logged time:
8 h 35 min
